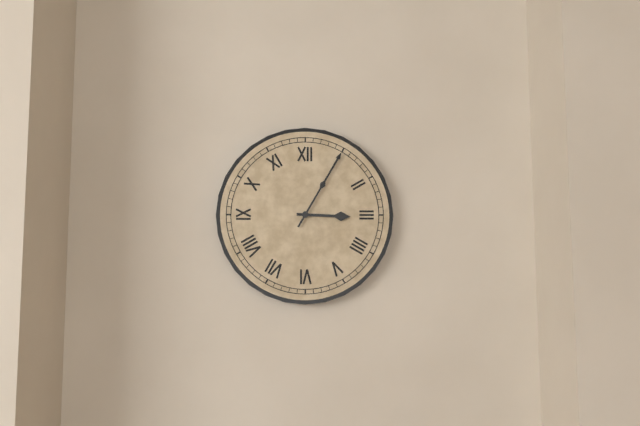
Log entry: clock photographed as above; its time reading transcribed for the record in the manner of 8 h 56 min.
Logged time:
3 h 05 min
